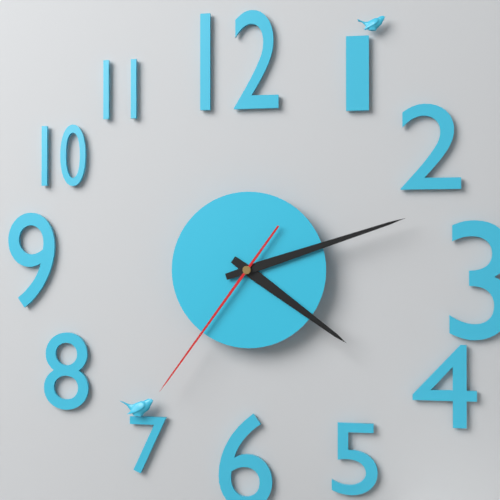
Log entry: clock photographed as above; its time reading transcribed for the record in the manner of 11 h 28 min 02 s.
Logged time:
4 h 12 min 36 s
